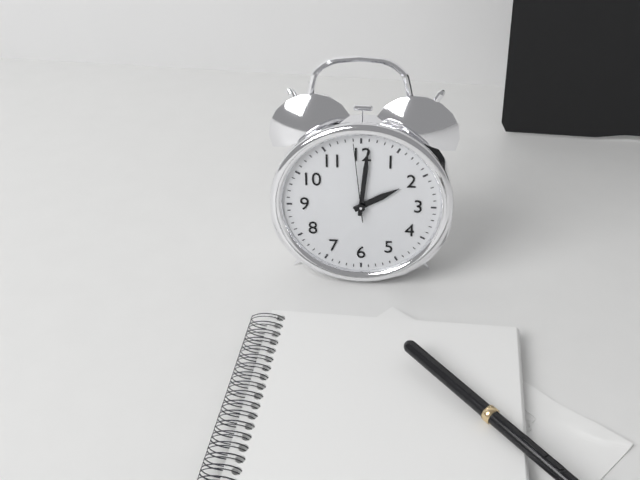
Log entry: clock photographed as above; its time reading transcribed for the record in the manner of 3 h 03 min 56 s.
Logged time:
2 h 01 min 59 s
